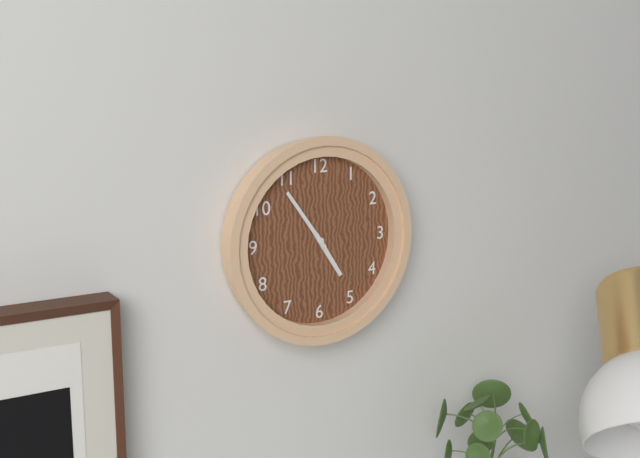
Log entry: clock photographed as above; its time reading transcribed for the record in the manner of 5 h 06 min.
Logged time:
4 h 54 min
